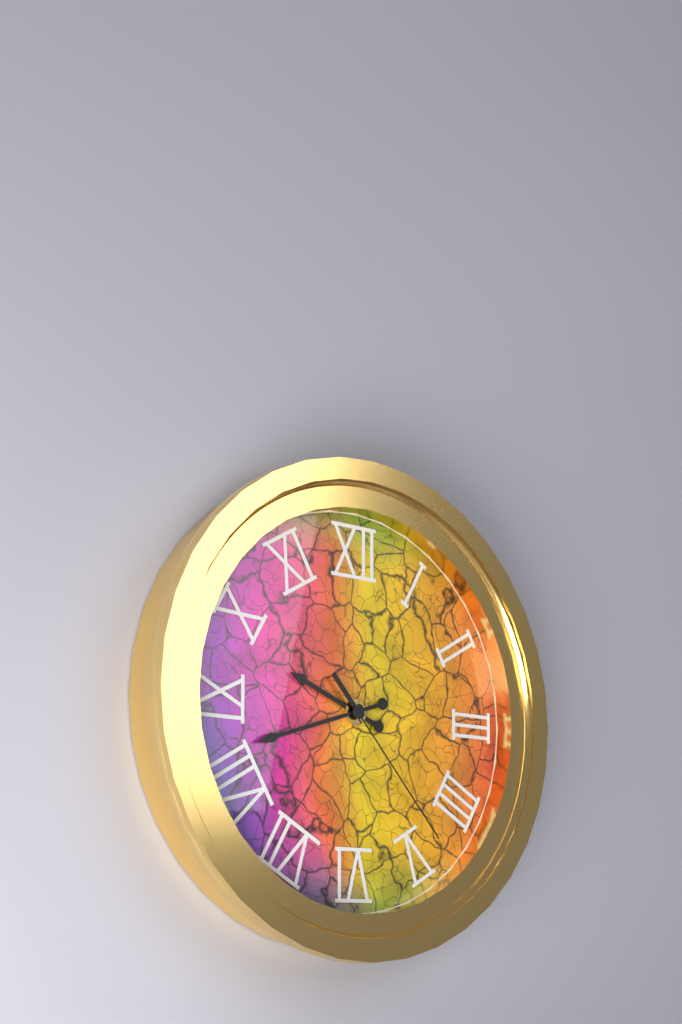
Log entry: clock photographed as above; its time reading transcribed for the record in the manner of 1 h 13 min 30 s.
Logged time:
9 h 42 min 23 s
